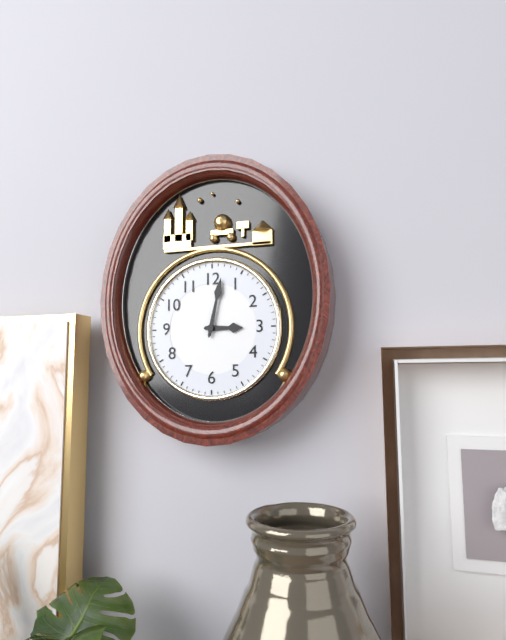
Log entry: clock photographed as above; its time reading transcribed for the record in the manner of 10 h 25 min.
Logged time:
3 h 02 min
